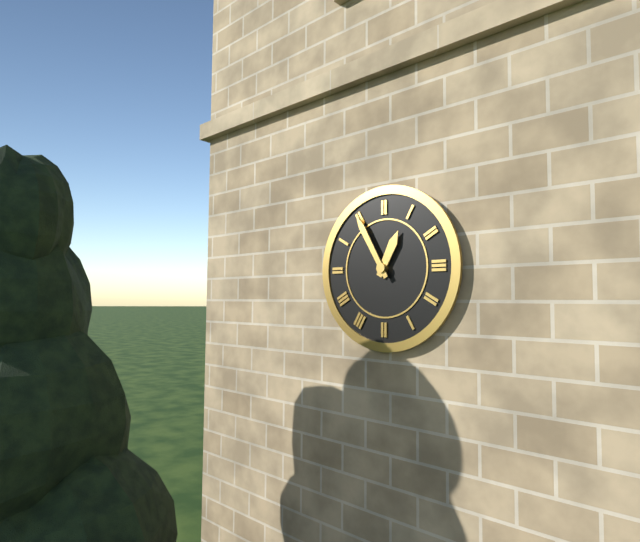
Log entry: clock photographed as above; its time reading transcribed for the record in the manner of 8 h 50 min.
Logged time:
12 h 55 min
